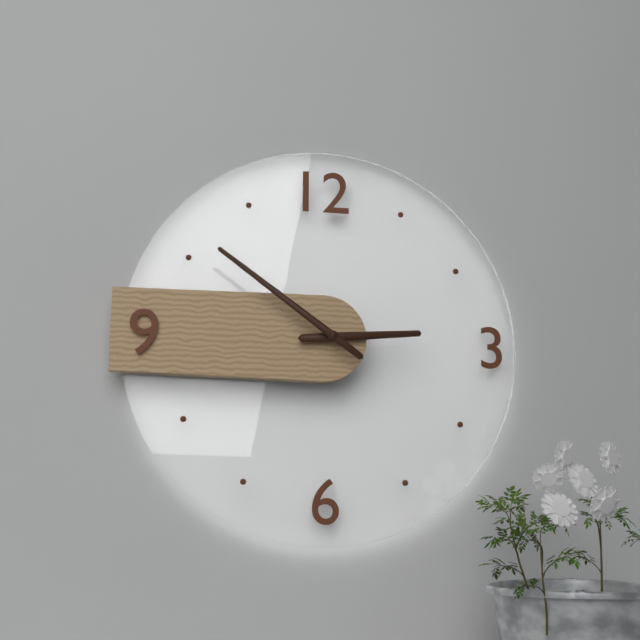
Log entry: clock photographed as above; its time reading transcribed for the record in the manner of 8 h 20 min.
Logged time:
2 h 51 min
